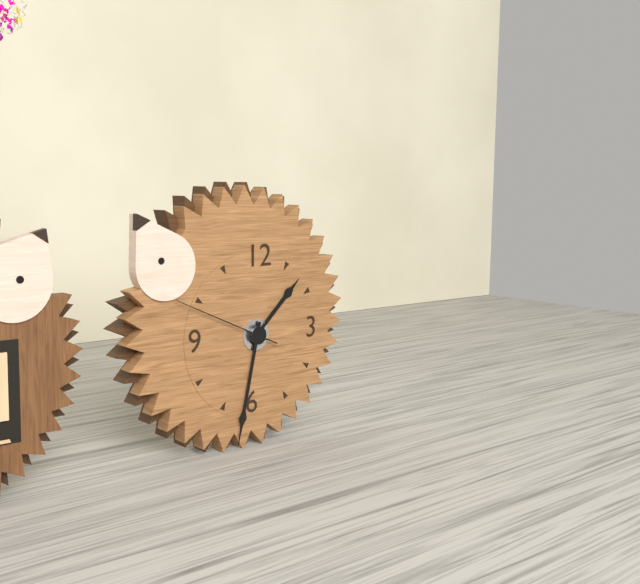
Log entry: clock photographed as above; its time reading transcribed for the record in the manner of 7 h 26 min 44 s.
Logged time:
1 h 32 min 49 s
